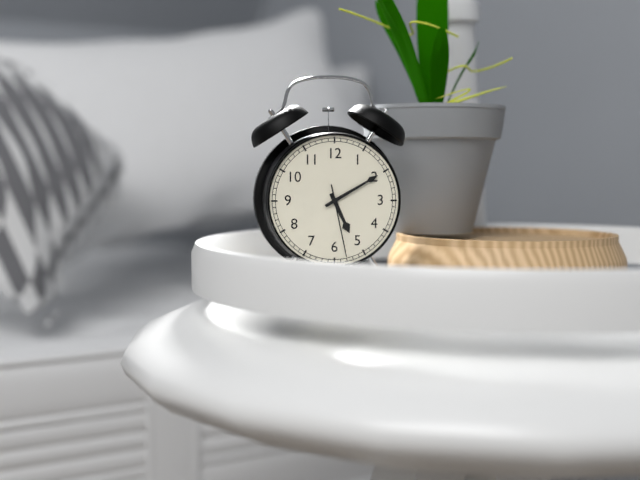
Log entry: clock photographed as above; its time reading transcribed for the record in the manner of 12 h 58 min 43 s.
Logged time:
5 h 10 min 28 s
